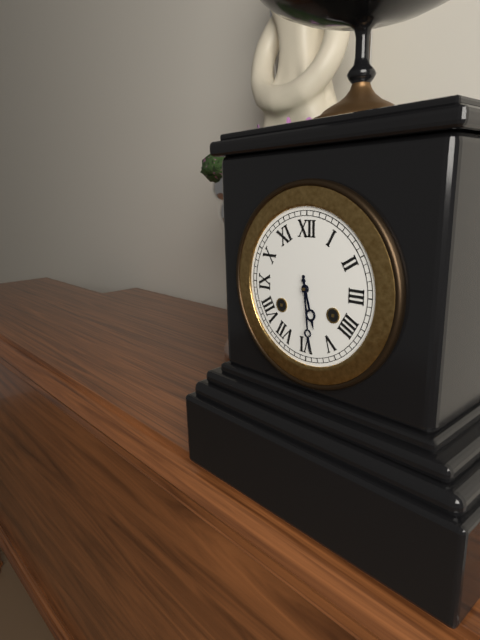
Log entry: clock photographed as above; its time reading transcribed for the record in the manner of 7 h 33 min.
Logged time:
5 h 29 min
